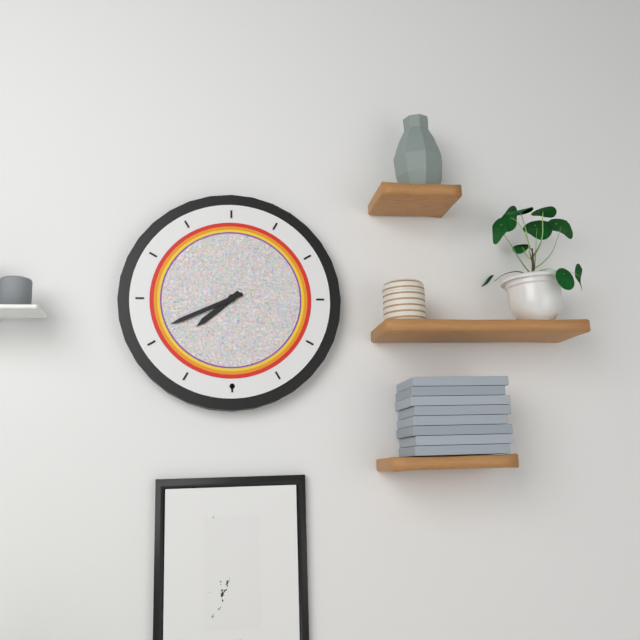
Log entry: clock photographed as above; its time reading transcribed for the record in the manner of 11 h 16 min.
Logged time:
7 h 41 min
